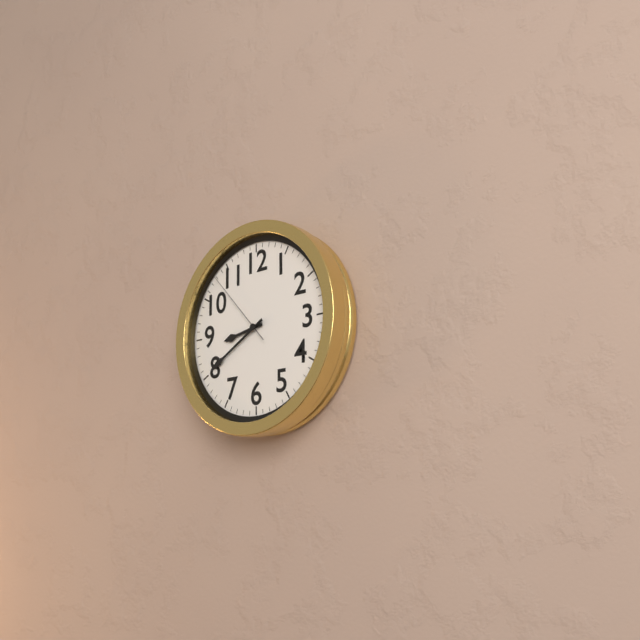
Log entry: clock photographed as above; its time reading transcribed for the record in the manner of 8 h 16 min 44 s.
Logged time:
8 h 40 min 53 s
